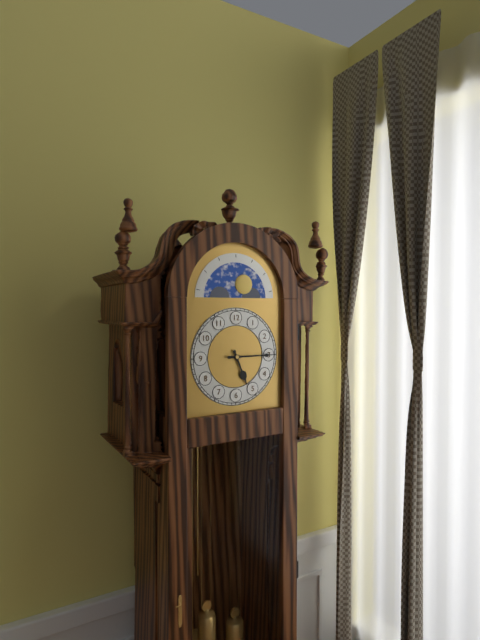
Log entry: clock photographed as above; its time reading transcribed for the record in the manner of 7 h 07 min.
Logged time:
5 h 15 min
